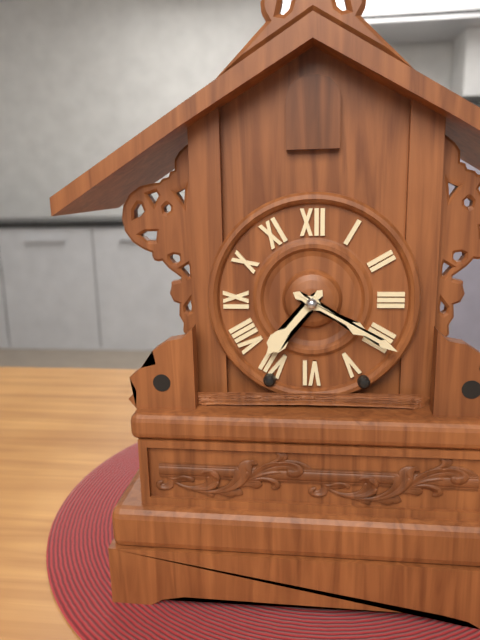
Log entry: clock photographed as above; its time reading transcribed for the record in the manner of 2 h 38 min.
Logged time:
7 h 20 min
